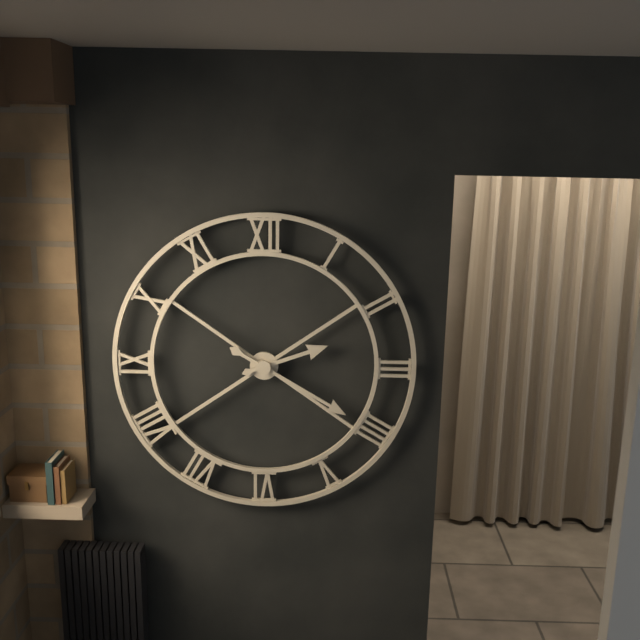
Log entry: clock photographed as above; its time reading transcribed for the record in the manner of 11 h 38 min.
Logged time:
2 h 20 min
